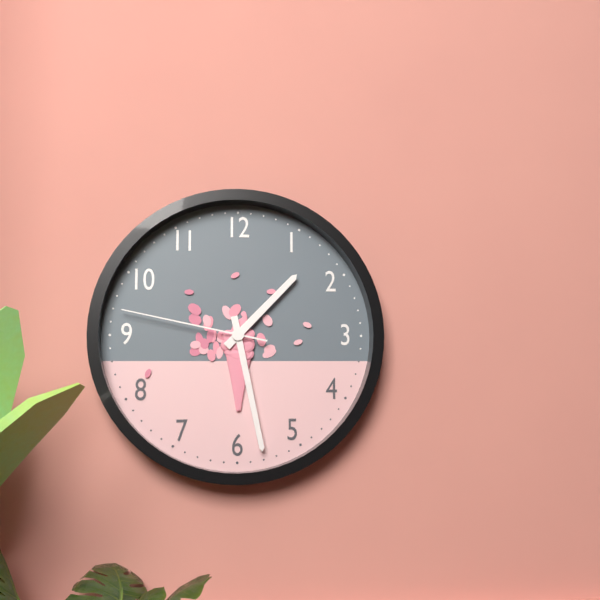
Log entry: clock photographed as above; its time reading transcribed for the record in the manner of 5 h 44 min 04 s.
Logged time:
1 h 28 min 47 s
